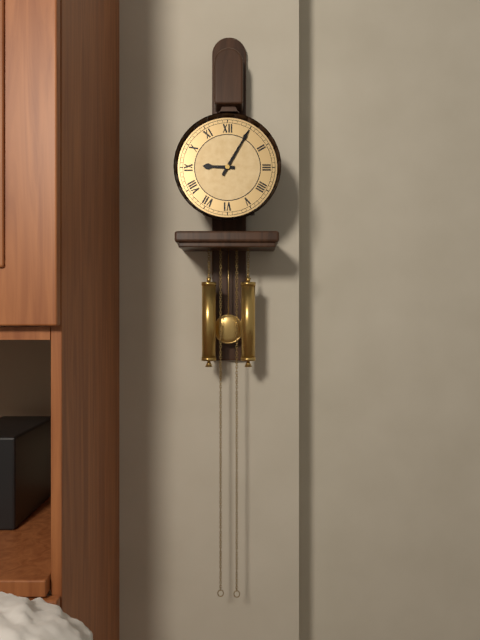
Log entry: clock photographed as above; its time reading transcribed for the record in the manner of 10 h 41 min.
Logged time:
9 h 05 min
